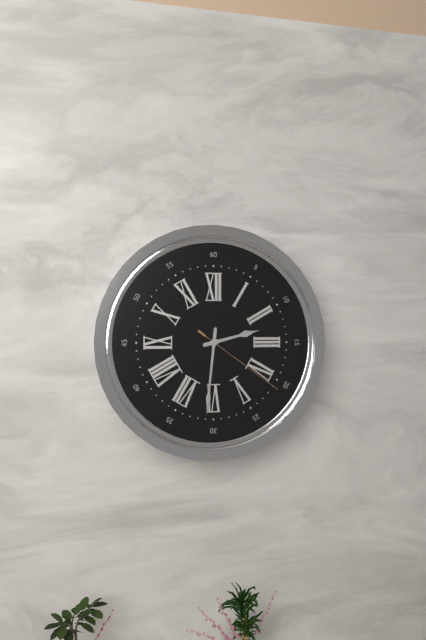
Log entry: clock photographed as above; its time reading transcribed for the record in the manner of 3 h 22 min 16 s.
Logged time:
2 h 31 min 21 s
